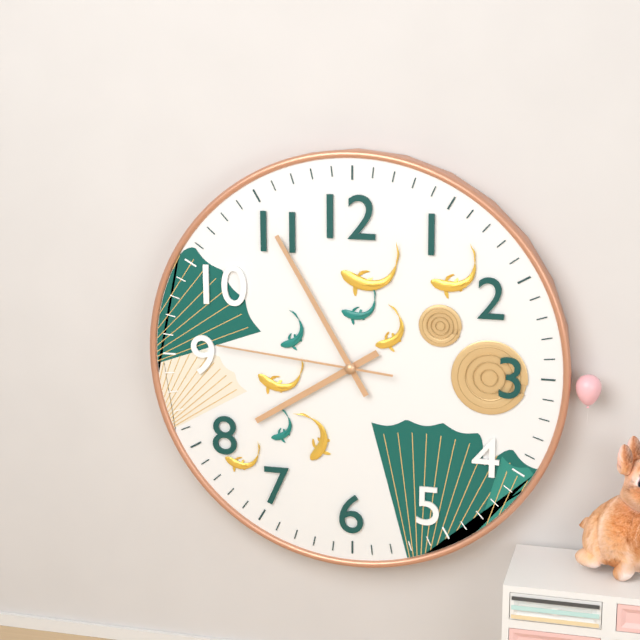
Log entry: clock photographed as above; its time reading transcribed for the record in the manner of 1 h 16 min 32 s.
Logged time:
7 h 55 min 46 s
